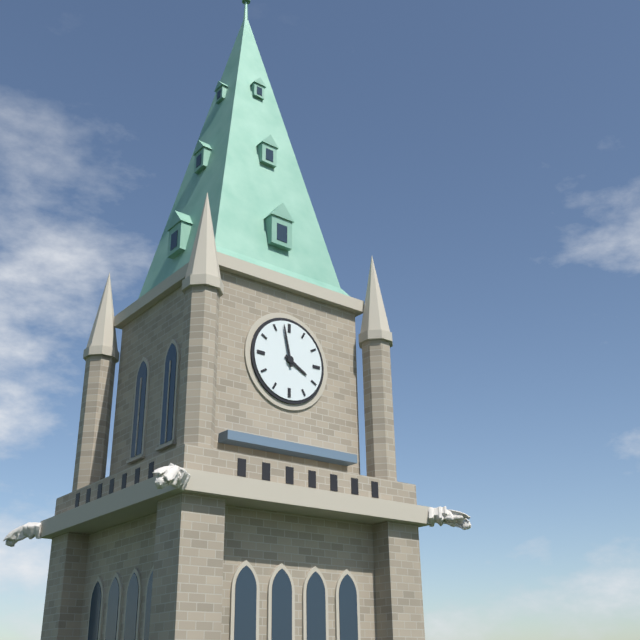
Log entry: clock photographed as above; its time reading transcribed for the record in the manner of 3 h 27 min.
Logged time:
3 h 58 min
